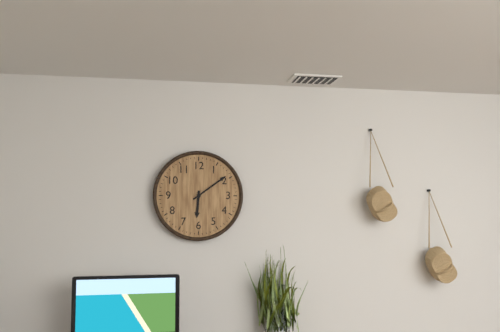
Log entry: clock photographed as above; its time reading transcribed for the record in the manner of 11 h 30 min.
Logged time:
6 h 09 min
